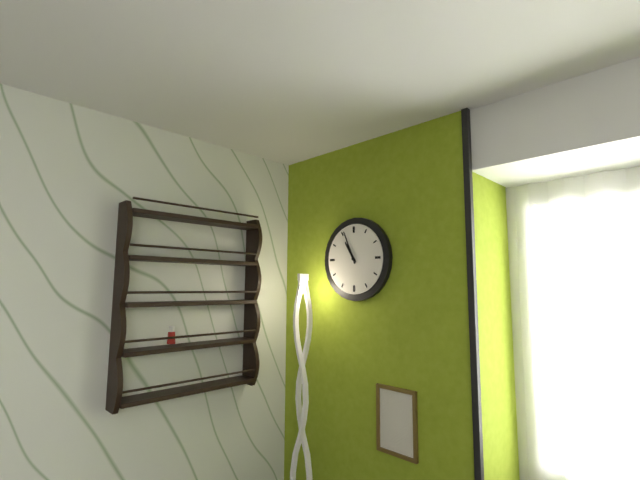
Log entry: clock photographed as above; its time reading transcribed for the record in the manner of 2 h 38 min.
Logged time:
10 h 56 min
